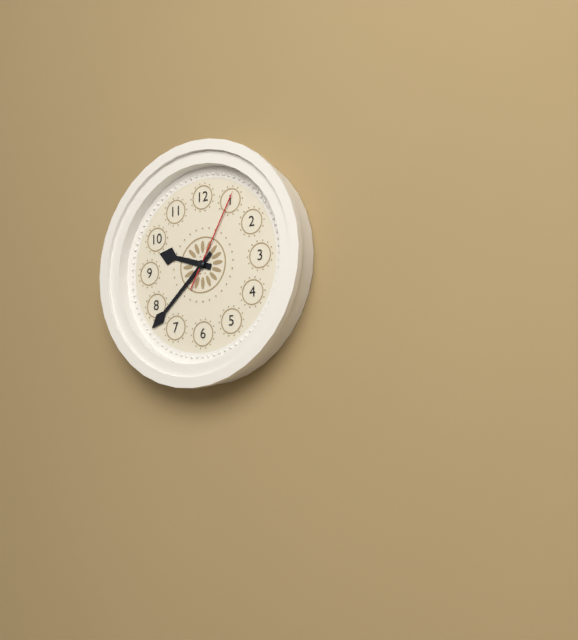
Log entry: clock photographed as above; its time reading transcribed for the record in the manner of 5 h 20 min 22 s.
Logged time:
9 h 38 min 05 s
